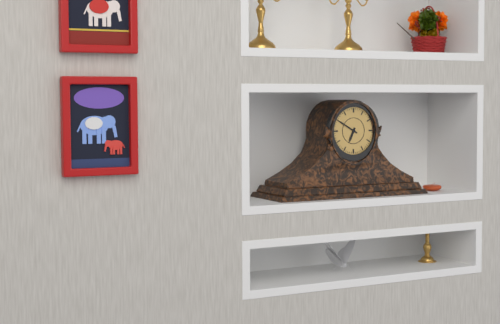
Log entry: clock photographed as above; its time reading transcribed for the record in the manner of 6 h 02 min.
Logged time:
6 h 50 min
